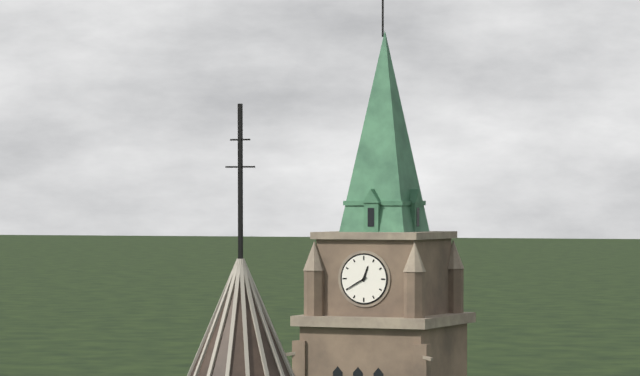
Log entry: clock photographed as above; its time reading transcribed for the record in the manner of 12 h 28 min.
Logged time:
12 h 40 min
